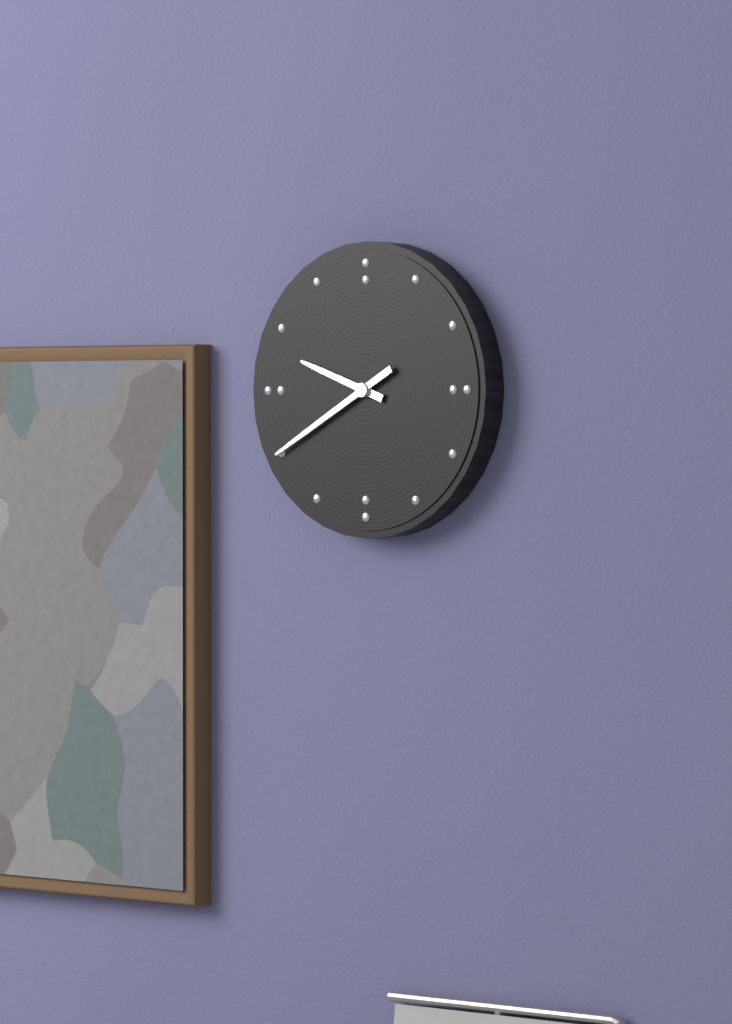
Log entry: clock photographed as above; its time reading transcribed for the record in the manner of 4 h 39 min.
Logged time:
9 h 40 min
